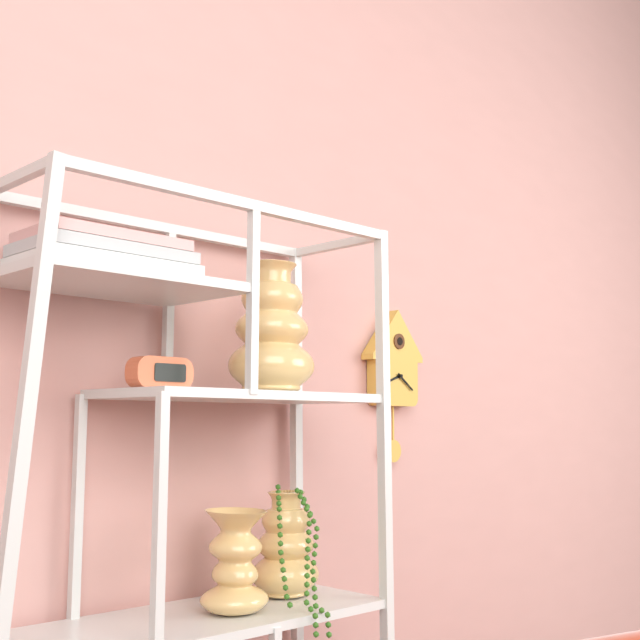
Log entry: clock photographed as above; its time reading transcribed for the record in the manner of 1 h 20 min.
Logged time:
8 h 21 min
